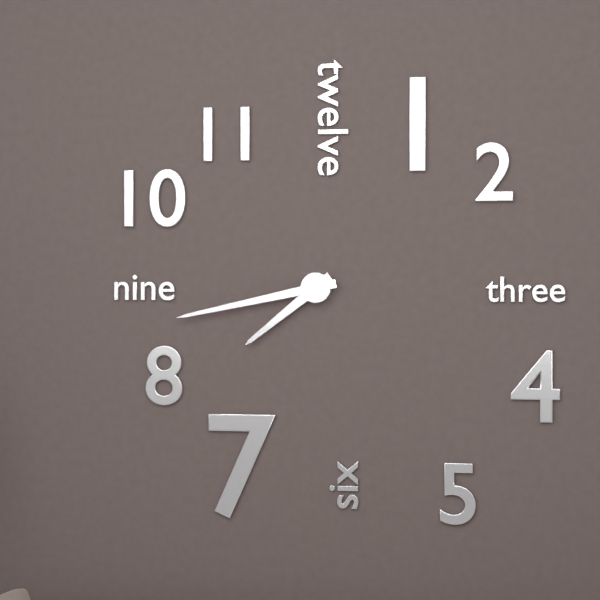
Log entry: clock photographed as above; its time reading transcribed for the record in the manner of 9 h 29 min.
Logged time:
7 h 43 min
